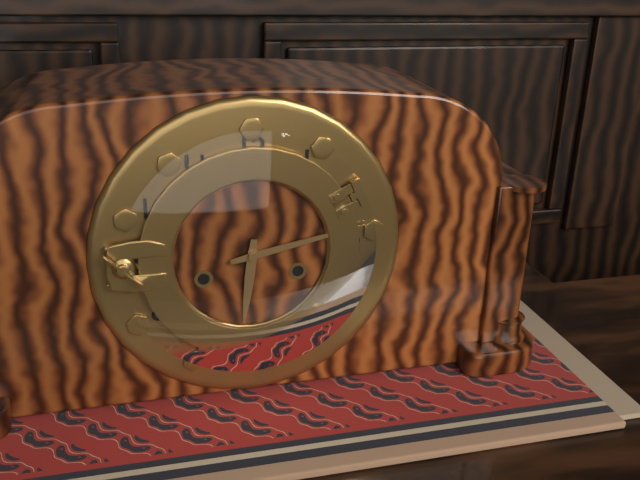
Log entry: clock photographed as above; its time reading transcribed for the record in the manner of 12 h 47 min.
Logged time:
6 h 13 min
